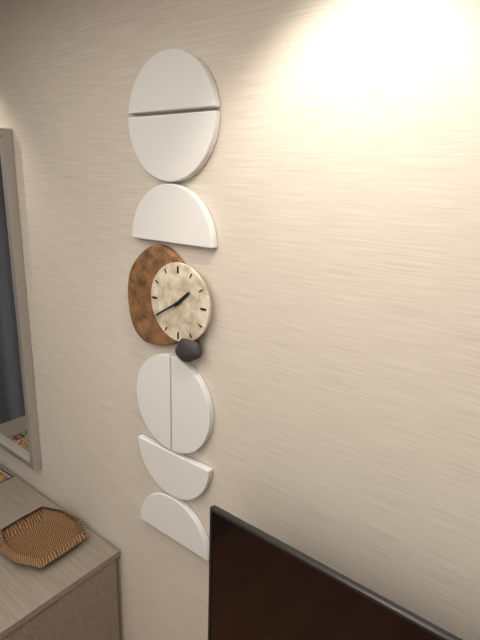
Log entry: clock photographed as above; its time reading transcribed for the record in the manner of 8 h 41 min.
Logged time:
1 h 40 min
